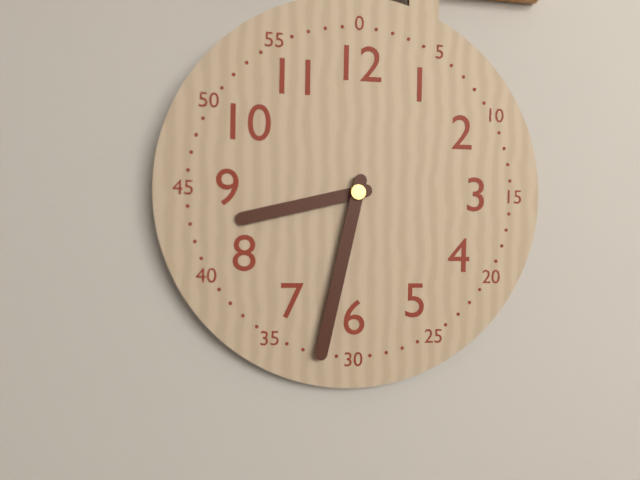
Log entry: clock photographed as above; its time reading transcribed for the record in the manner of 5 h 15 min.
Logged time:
8 h 32 min
